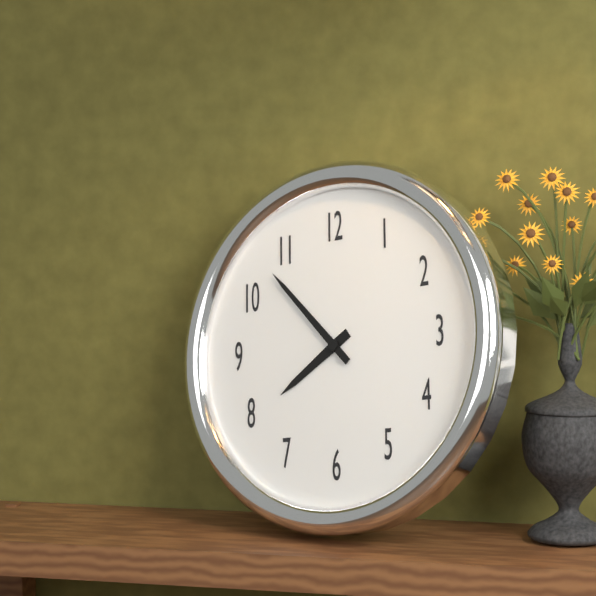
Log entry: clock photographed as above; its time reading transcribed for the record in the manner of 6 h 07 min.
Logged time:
7 h 53 min
